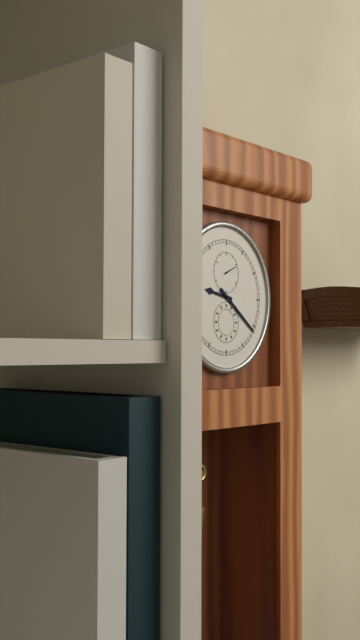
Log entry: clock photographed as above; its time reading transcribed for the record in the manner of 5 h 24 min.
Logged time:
9 h 21 min
